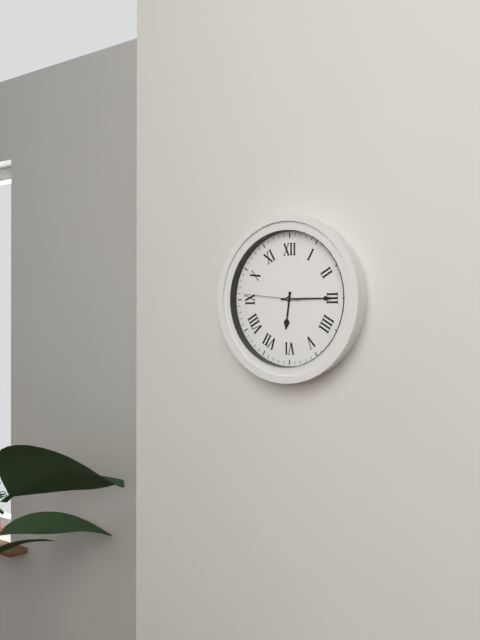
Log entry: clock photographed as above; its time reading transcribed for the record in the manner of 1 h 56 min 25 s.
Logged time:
6 h 15 min 46 s
